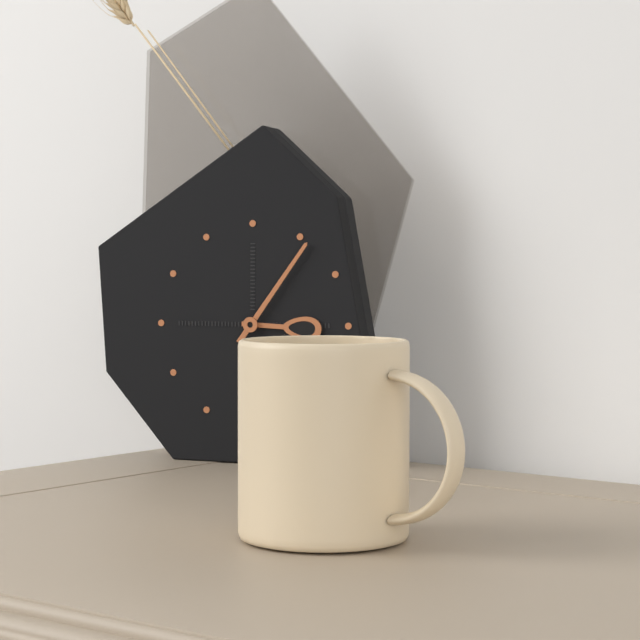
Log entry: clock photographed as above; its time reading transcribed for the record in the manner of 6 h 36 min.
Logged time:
3 h 06 min
